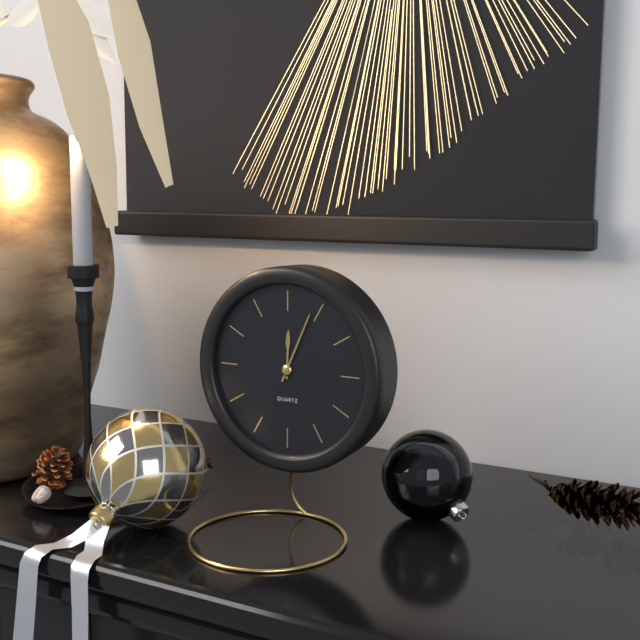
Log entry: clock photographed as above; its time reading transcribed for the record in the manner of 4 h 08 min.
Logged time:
12 h 04 min
